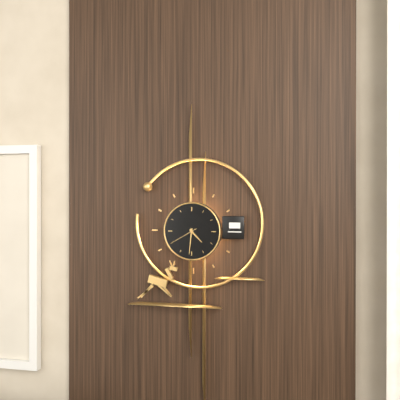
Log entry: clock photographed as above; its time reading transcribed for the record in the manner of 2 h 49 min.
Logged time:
4 h 31 min
